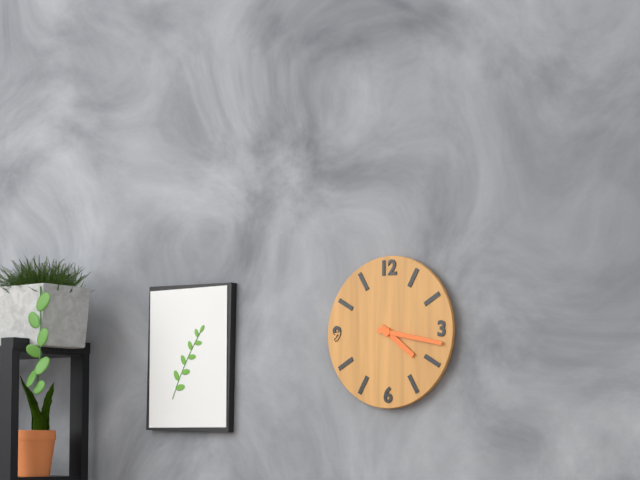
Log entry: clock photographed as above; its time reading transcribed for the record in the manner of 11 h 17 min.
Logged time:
4 h 17 min
